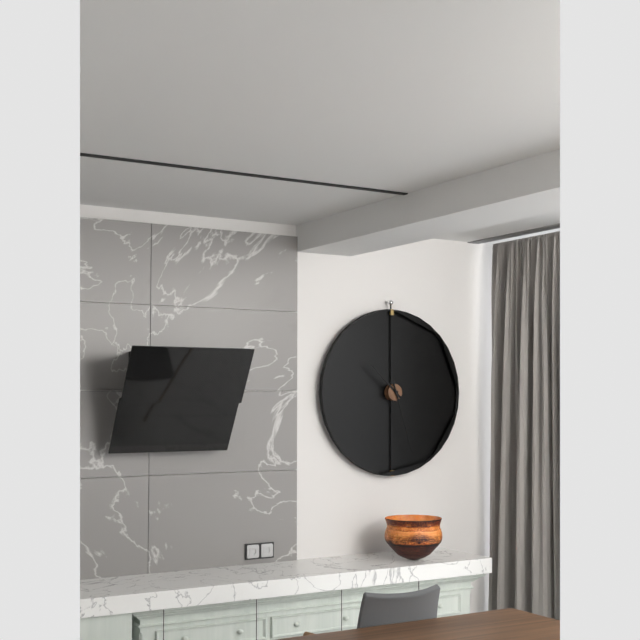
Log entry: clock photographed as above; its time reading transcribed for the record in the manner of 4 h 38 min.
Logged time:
10 h 27 min
